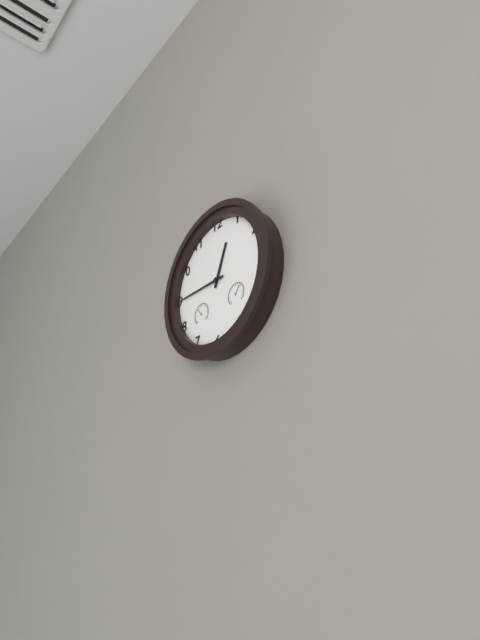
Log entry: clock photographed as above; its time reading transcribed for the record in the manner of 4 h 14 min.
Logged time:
12 h 45 min
